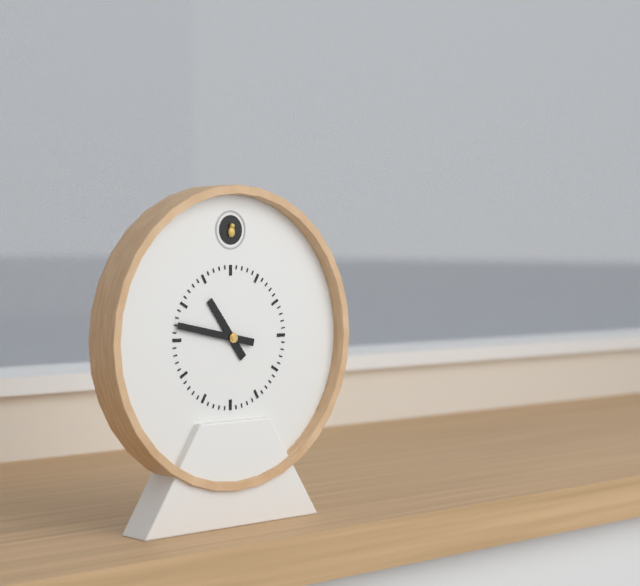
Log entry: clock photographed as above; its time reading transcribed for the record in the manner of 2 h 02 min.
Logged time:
10 h 47 min
